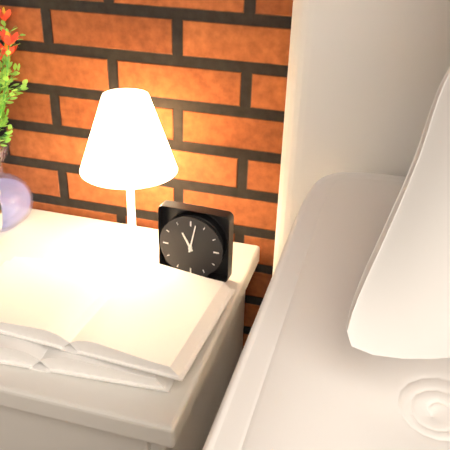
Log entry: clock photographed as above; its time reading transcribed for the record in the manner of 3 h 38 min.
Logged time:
11 h 02 min
